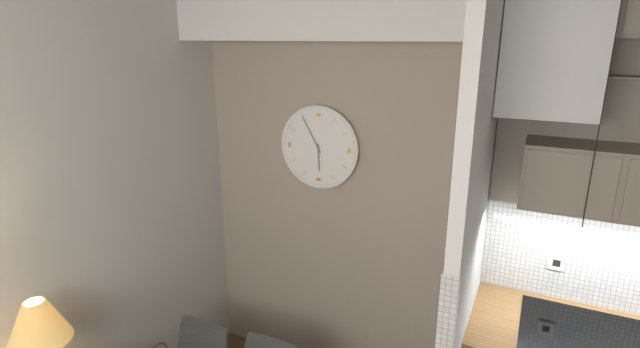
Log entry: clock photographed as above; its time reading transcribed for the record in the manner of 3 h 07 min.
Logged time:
5 h 55 min
